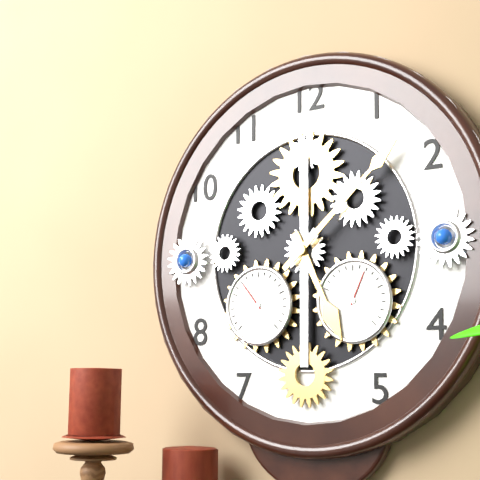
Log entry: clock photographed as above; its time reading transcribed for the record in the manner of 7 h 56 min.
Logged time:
5 h 08 min
